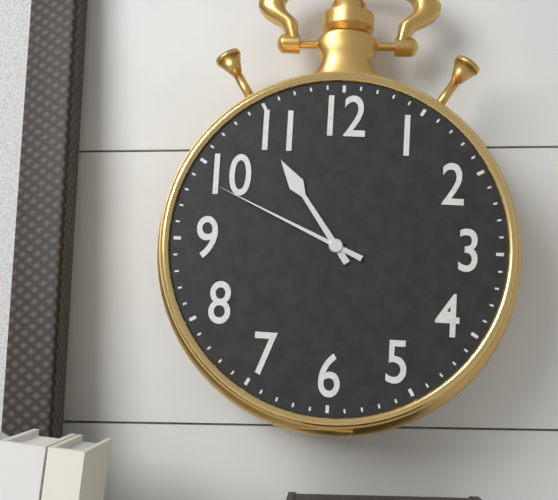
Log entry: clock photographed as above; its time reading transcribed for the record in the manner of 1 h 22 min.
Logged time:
10 h 49 min
